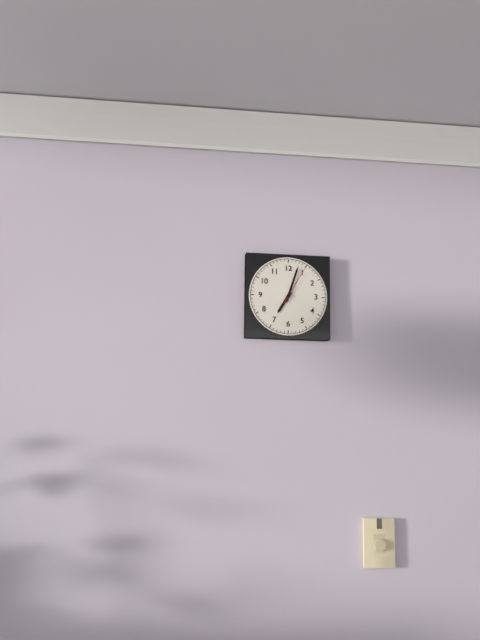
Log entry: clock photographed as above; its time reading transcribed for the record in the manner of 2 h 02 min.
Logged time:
7 h 03 min
